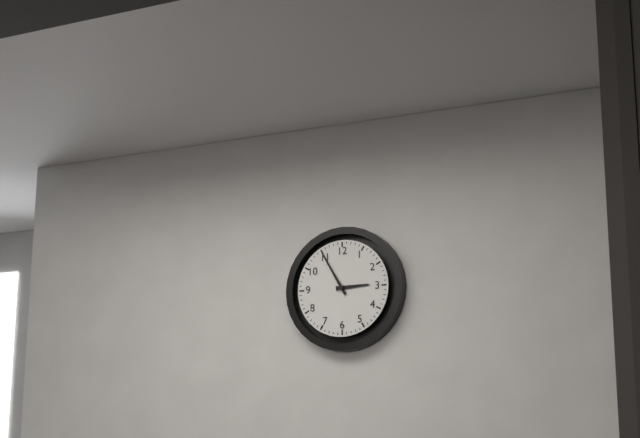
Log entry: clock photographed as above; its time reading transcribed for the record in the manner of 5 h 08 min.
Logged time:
2 h 55 min
